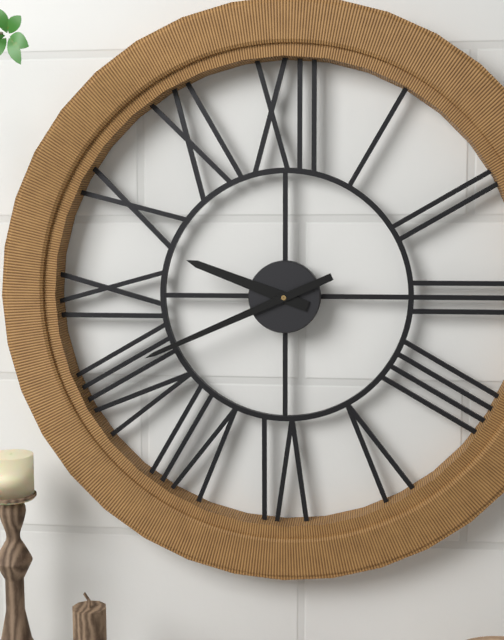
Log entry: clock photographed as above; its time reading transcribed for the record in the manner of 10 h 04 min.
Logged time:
9 h 41 min
